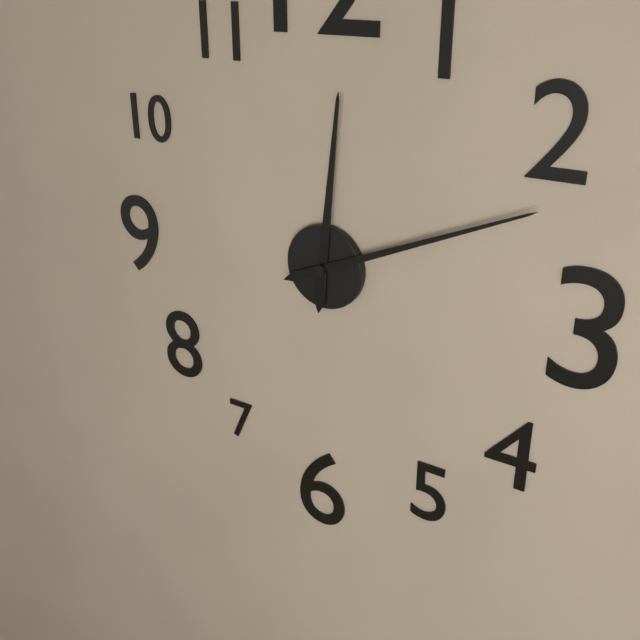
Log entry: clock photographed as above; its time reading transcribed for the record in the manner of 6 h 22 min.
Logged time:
12 h 11 min
